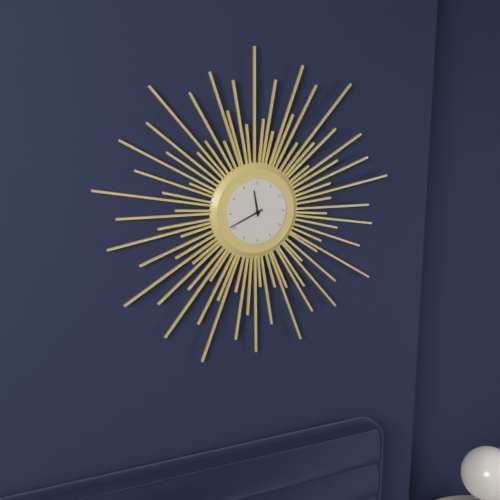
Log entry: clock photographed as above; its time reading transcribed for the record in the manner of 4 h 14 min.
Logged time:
11 h 41 min
